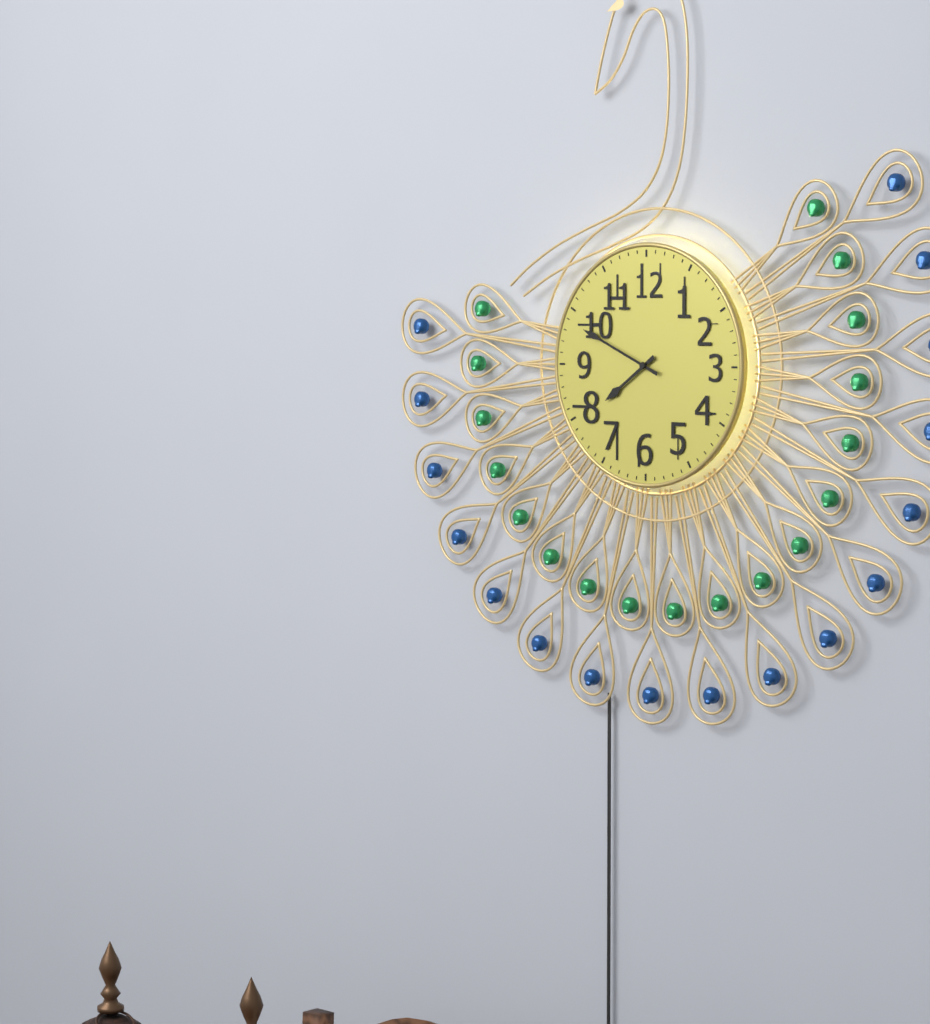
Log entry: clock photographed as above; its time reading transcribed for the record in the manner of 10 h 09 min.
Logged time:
7 h 49 min
